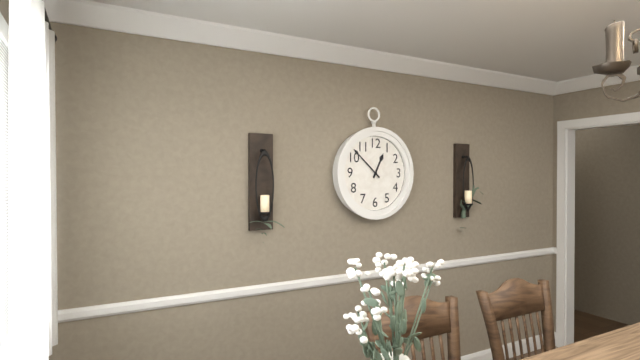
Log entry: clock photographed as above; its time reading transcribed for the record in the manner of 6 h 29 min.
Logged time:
12 h 52 min
